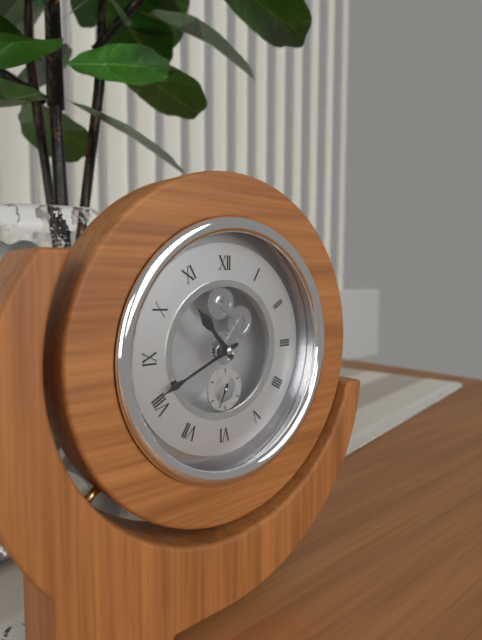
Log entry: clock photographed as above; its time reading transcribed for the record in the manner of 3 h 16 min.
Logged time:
10 h 41 min
